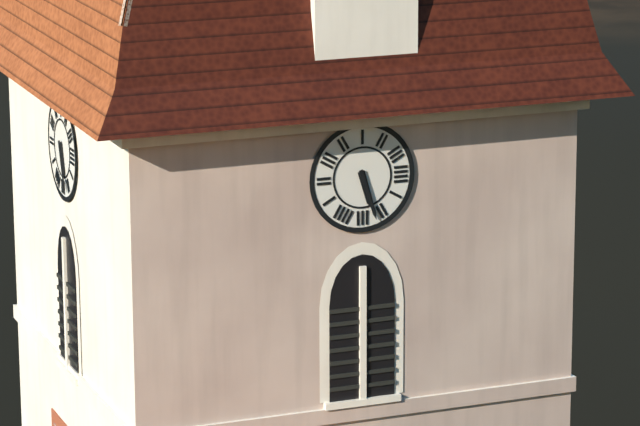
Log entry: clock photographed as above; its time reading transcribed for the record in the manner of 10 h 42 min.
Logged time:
5 h 27 min
